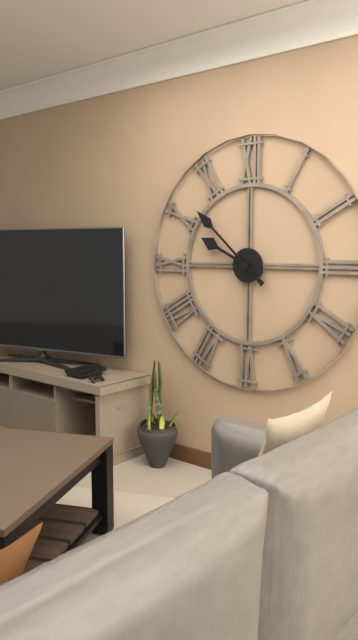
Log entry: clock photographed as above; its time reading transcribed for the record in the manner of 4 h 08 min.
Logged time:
9 h 52 min
